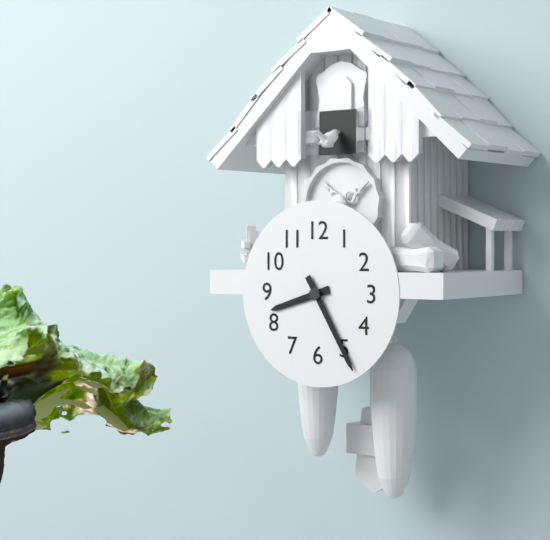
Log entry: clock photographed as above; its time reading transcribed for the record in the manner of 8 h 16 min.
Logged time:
8 h 25 min
